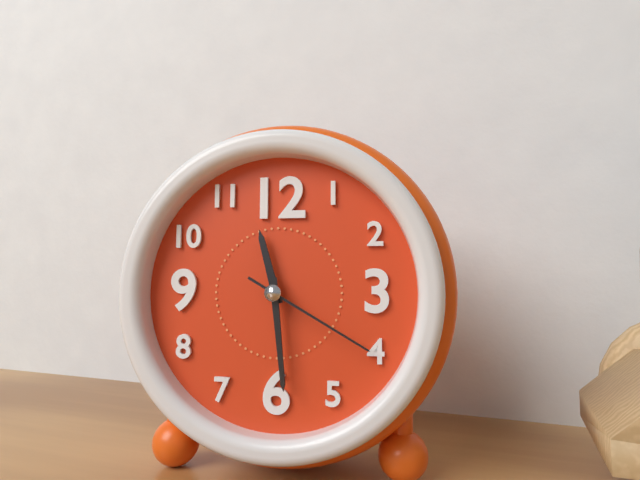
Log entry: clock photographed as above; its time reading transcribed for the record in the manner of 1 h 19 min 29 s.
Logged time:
11 h 29 min 20 s
